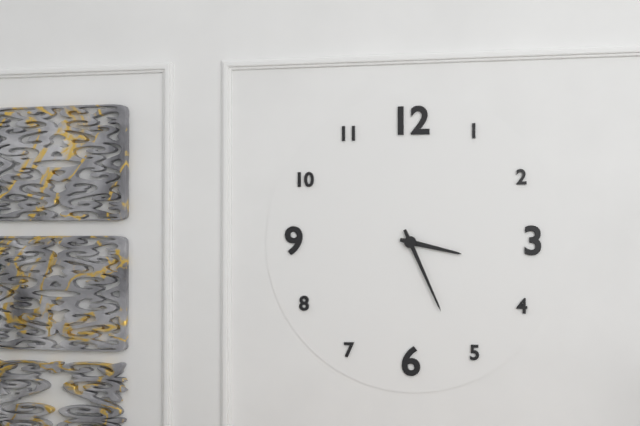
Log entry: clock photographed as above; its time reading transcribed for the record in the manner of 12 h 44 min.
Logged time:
3 h 26 min
